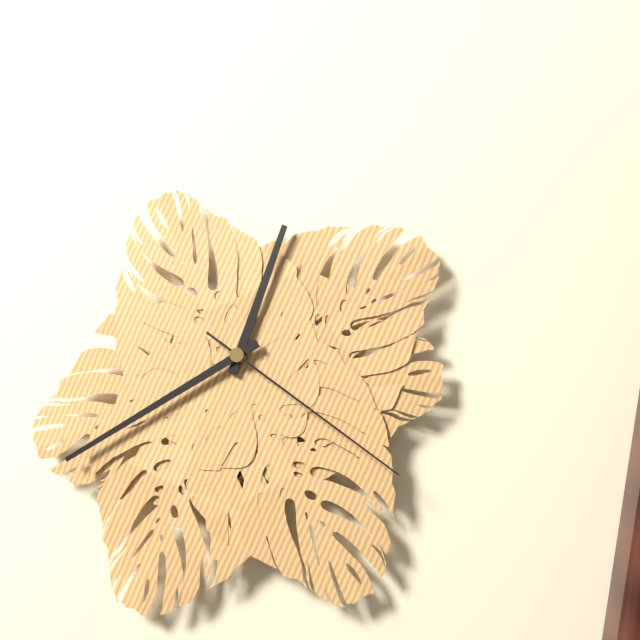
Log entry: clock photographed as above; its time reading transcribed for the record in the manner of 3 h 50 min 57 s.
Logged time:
12 h 40 min 21 s
